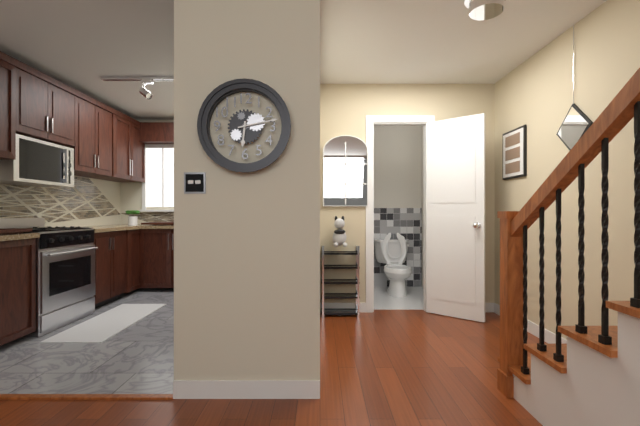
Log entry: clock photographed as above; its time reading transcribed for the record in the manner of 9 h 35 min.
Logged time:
6 h 13 min
